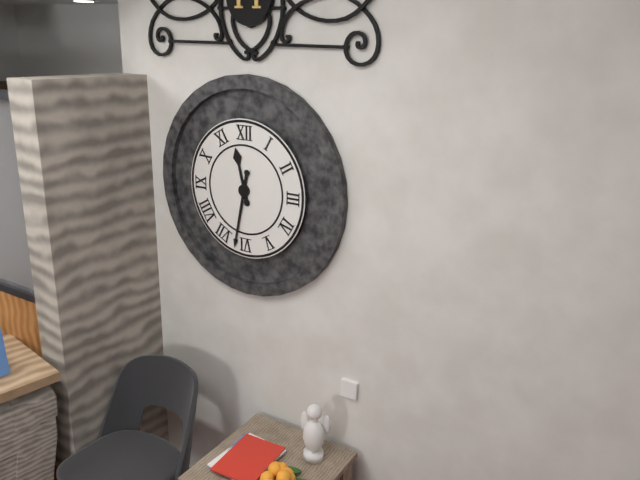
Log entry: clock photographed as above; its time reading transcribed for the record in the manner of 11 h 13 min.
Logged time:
11 h 32 min
